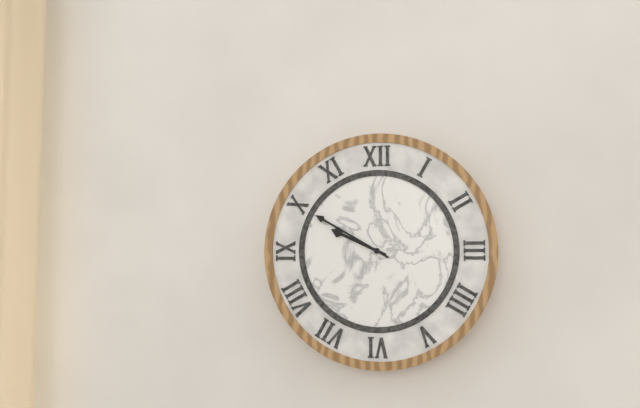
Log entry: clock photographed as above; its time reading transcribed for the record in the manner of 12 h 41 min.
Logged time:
9 h 50 min
